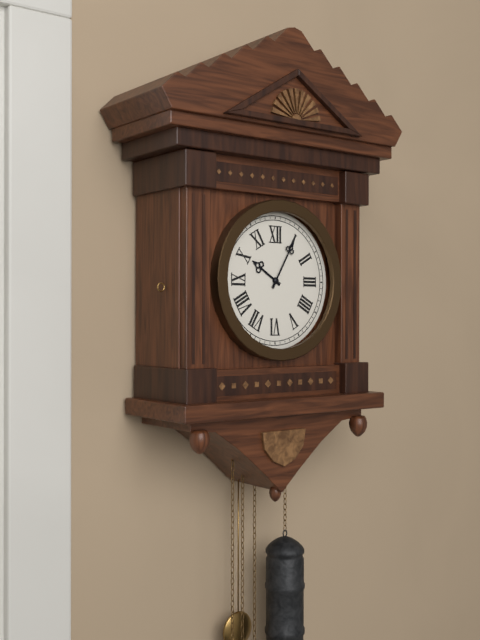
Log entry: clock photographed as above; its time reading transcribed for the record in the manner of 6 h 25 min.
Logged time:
10 h 05 min
